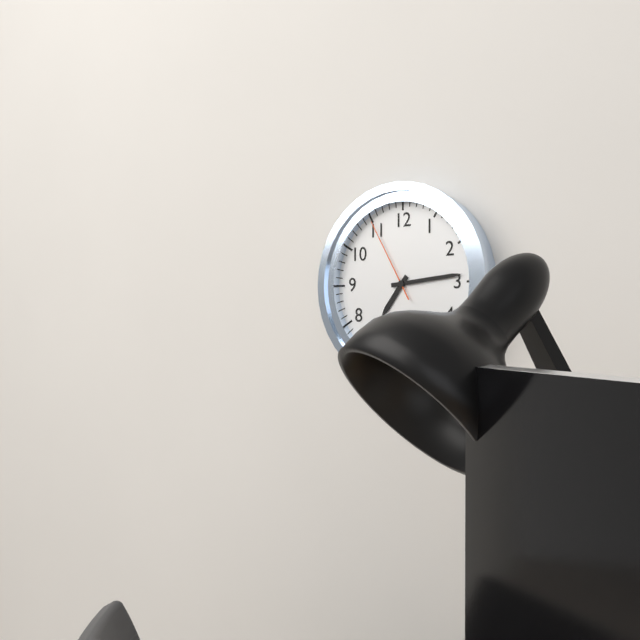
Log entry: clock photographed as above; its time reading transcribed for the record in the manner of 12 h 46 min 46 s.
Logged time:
7 h 14 min 55 s
